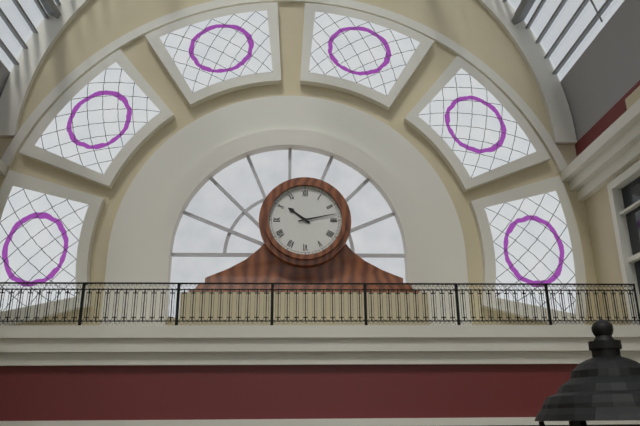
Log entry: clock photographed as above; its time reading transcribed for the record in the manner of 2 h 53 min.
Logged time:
10 h 13 min
